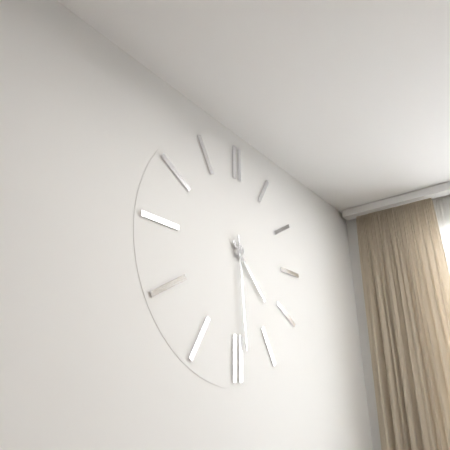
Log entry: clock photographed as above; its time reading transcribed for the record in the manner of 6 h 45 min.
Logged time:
4 h 29 min
